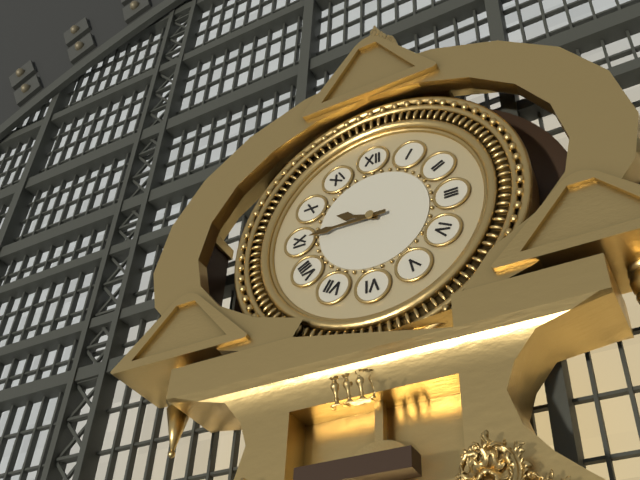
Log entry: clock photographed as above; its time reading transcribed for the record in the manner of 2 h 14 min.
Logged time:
9 h 45 min
